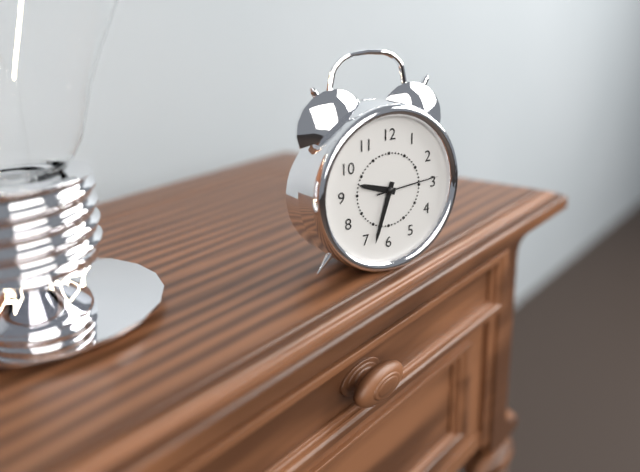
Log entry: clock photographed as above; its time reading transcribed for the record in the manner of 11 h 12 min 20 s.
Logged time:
9 h 33 min 14 s
